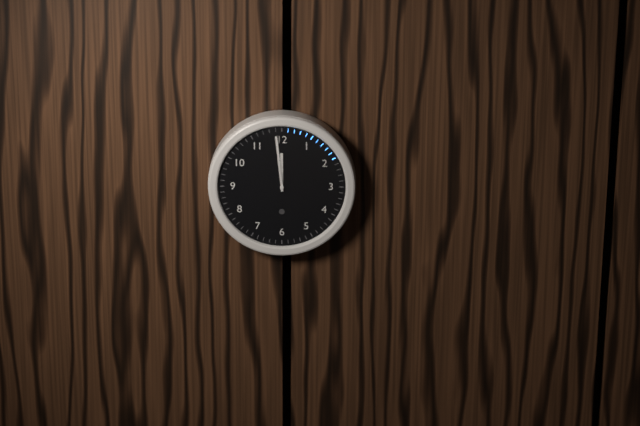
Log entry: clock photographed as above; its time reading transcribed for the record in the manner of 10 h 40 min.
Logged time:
11 h 59 min
